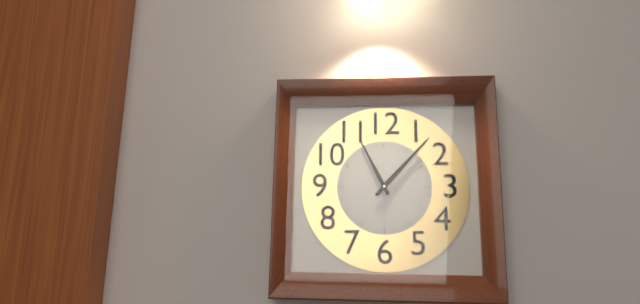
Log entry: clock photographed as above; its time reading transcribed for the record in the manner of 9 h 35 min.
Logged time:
11 h 07 min
